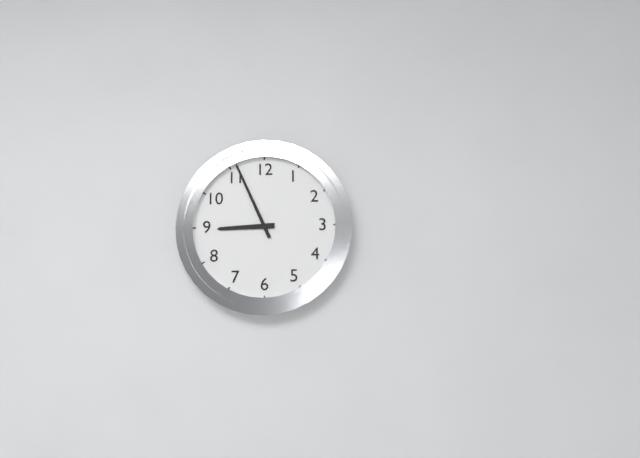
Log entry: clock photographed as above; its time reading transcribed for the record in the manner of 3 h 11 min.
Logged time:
8 h 56 min
